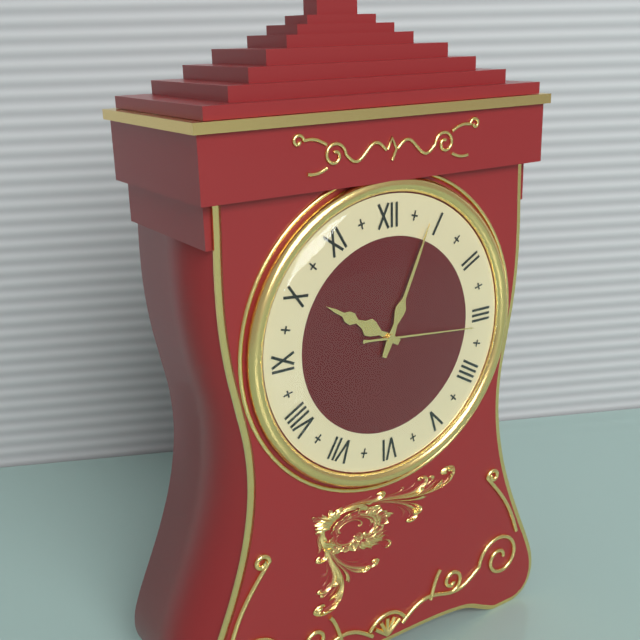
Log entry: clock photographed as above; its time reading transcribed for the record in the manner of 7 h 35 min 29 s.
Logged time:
10 h 04 min 16 s
